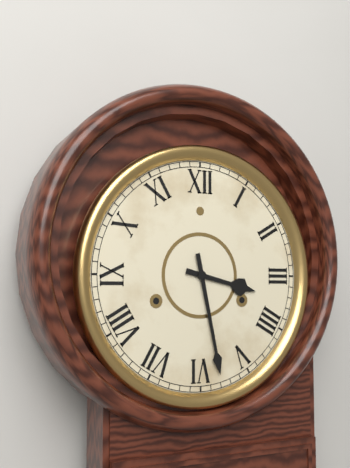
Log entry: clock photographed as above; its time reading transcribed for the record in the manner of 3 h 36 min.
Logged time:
3 h 28 min
